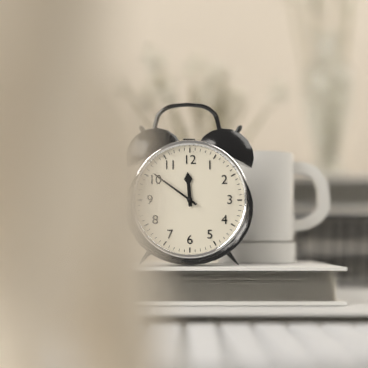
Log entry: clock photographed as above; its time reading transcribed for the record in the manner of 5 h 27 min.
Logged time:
11 h 51 min
